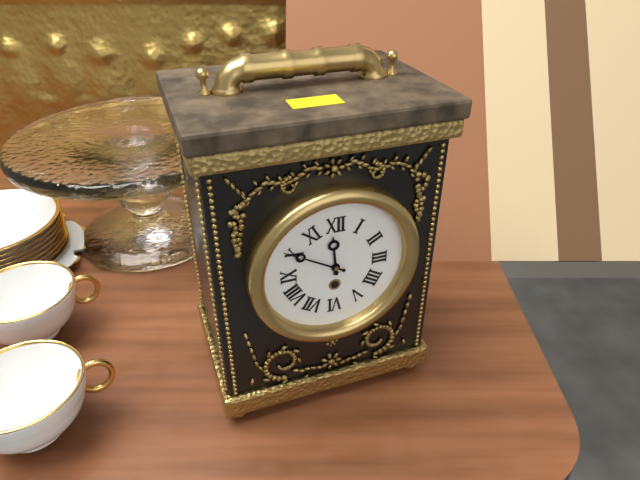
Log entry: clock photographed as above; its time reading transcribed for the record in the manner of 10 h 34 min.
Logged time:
11 h 50 min
